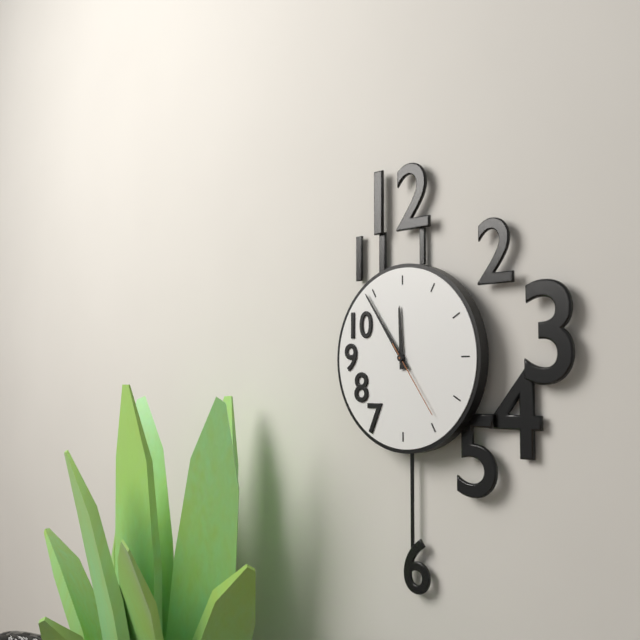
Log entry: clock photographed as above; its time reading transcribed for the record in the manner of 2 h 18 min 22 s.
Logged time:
11 h 54 min 24 s
